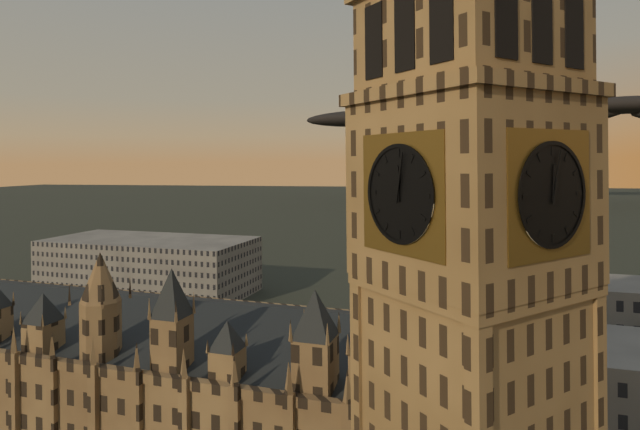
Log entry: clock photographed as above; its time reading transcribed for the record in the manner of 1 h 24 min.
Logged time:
12 h 02 min
